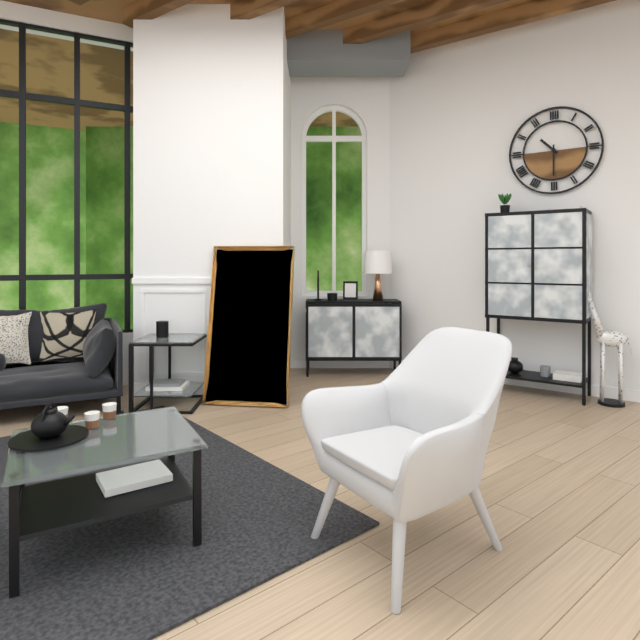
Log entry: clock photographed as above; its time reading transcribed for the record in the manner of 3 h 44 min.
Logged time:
10 h 30 min
